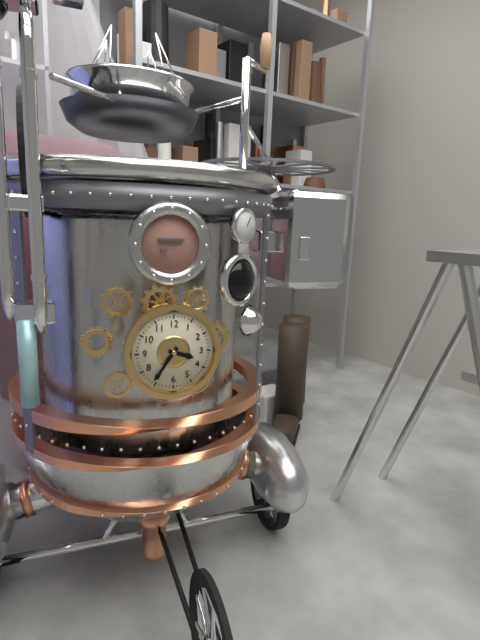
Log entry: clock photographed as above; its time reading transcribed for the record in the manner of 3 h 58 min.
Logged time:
3 h 36 min
